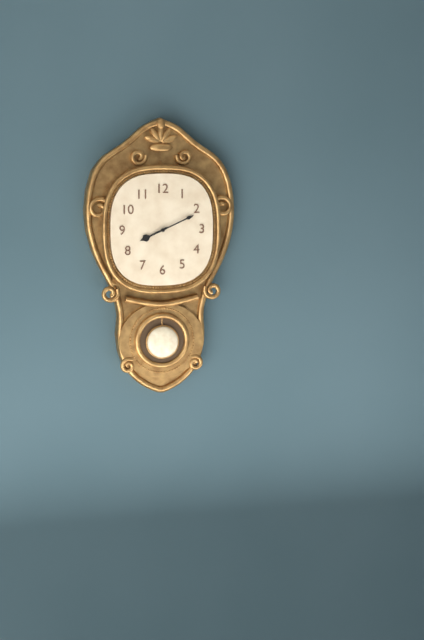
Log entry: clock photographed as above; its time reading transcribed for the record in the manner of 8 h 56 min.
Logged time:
8 h 11 min
